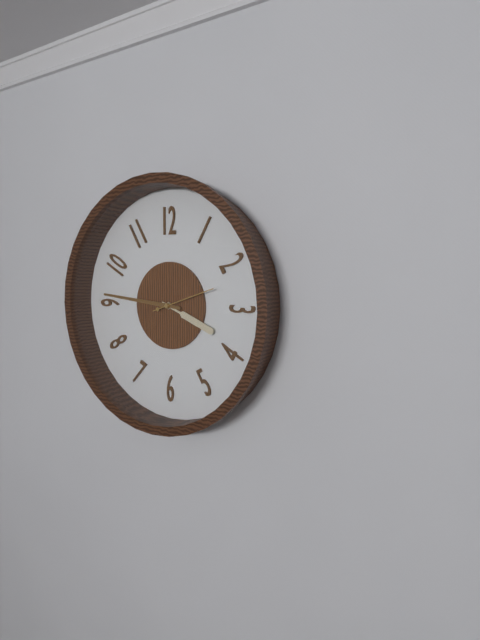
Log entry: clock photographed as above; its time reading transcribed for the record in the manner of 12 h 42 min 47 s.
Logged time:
3 h 46 min 12 s
